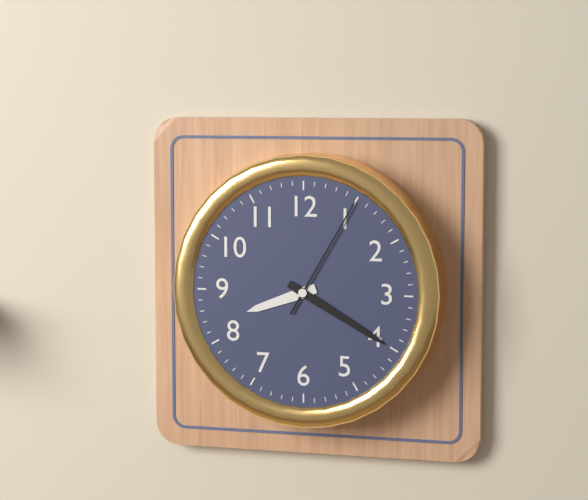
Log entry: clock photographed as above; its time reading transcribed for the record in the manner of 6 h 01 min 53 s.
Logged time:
8 h 20 min 05 s
